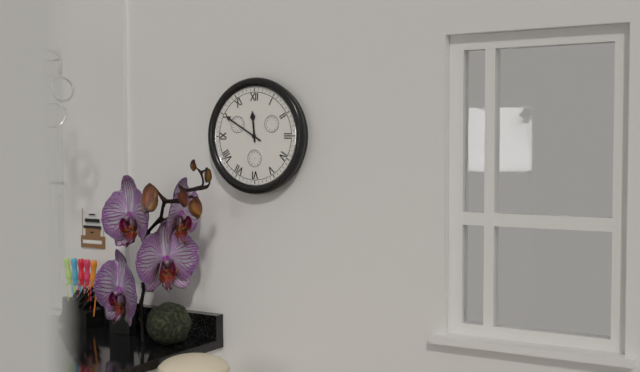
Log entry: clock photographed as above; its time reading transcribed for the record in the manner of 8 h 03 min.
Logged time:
11 h 50 min
